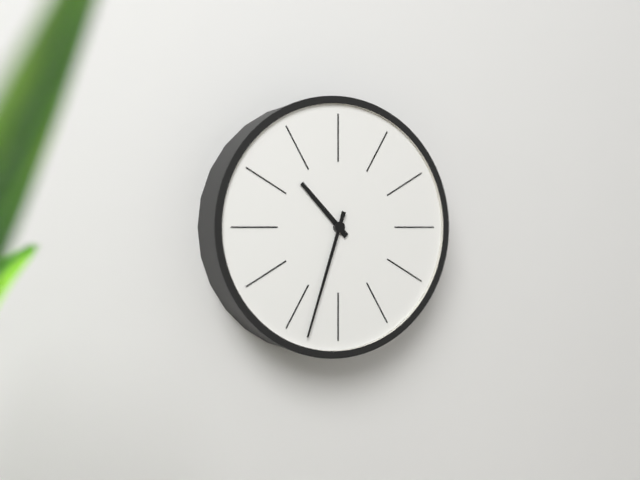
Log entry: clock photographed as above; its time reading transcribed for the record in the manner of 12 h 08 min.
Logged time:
10 h 33 min
